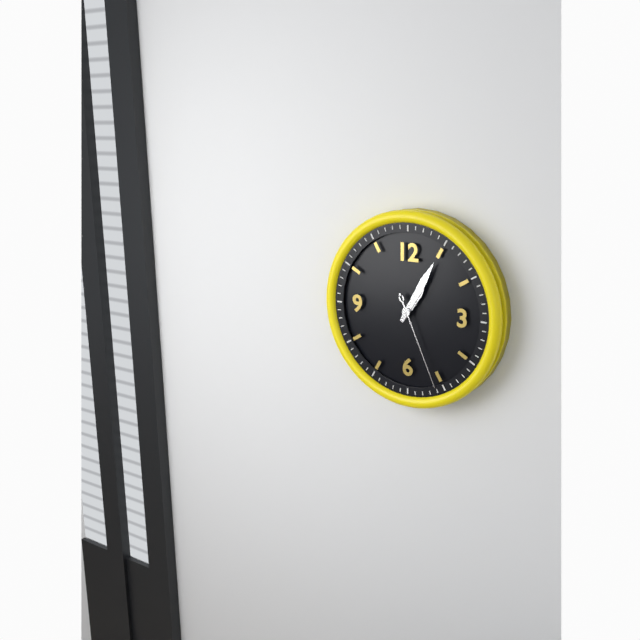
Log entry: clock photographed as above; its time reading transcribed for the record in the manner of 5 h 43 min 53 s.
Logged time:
1 h 05 min 26 s
